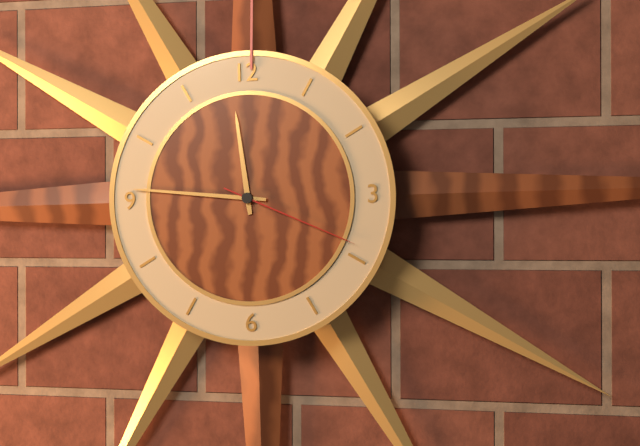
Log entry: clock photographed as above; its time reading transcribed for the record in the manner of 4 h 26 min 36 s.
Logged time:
11 h 46 min 19 s
